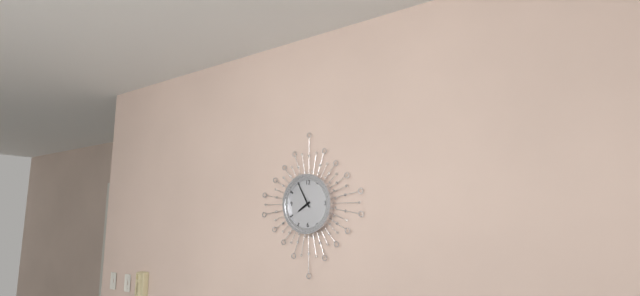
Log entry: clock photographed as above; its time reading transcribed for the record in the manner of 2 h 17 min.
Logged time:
7 h 55 min
